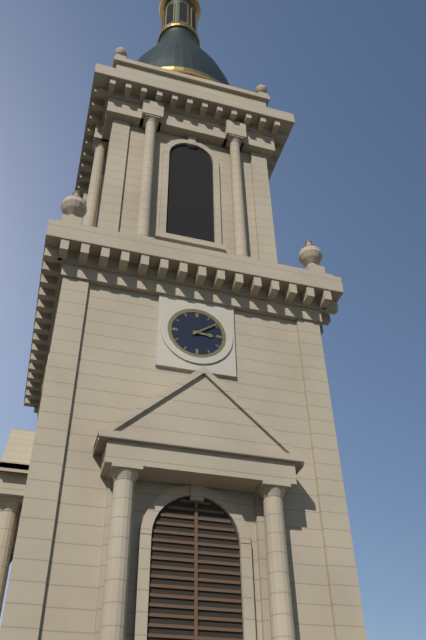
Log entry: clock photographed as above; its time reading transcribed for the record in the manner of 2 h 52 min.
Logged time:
3 h 09 min
